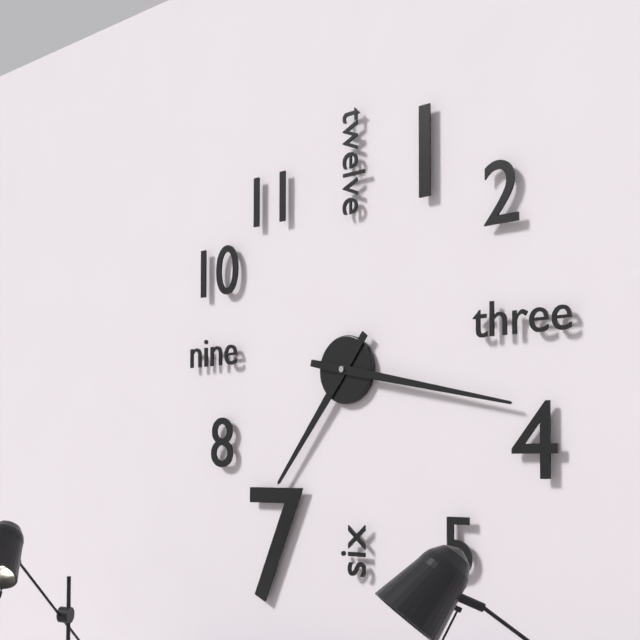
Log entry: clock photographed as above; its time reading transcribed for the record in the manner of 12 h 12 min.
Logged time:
7 h 17 min
